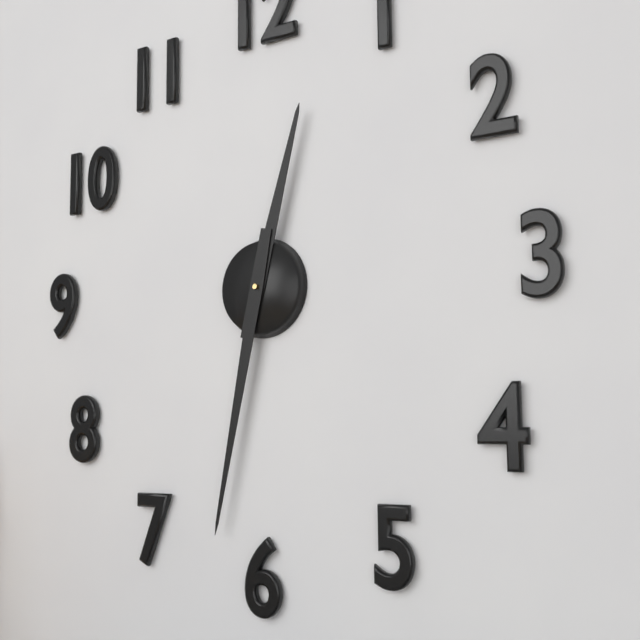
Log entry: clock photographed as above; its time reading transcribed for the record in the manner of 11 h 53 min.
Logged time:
12 h 32 min
